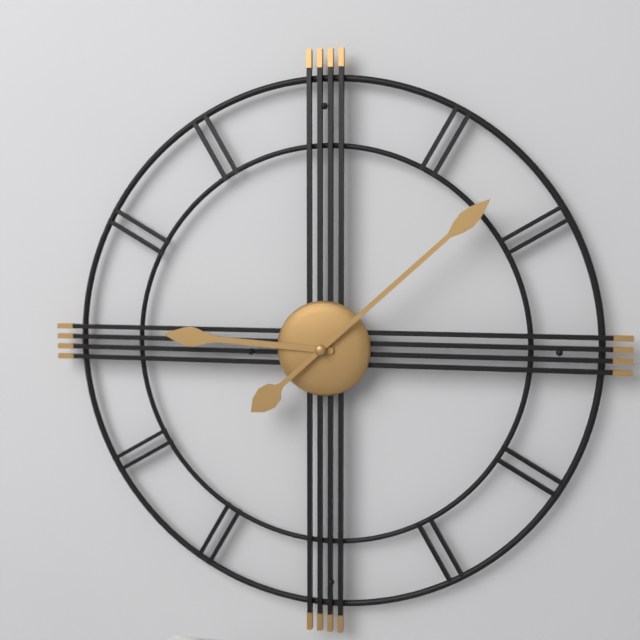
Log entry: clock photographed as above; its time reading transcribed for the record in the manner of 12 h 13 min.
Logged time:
9 h 08 min
